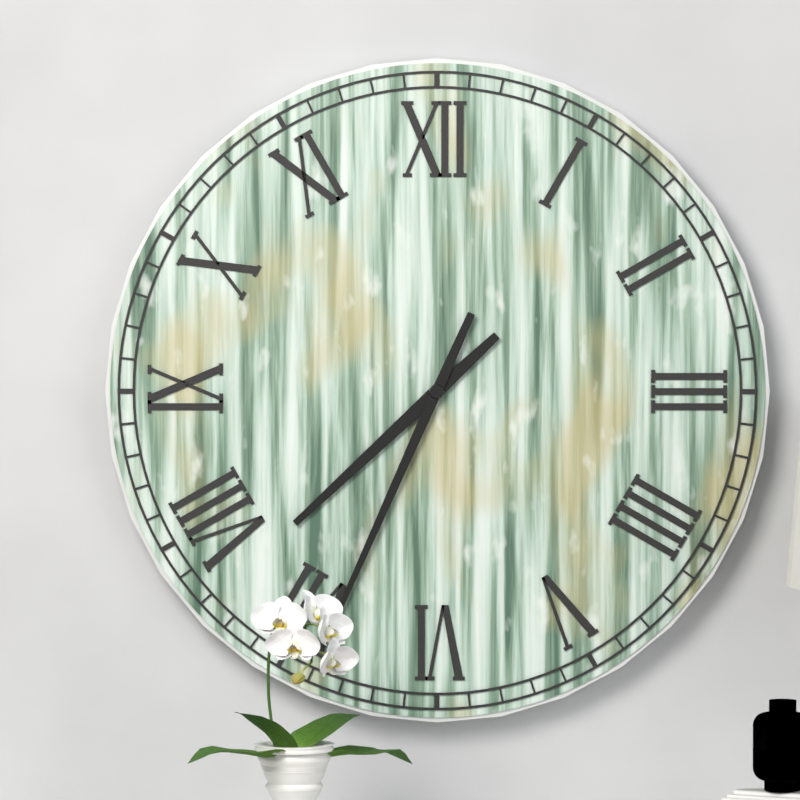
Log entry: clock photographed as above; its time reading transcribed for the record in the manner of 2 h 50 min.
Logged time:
7 h 34 min
